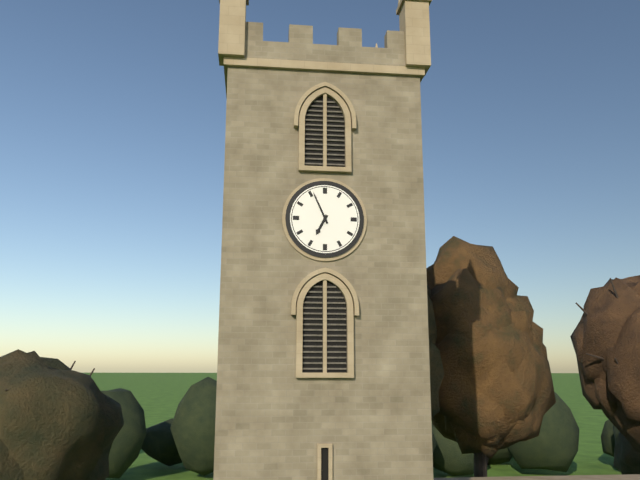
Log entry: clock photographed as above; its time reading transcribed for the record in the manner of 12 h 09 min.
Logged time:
6 h 56 min
